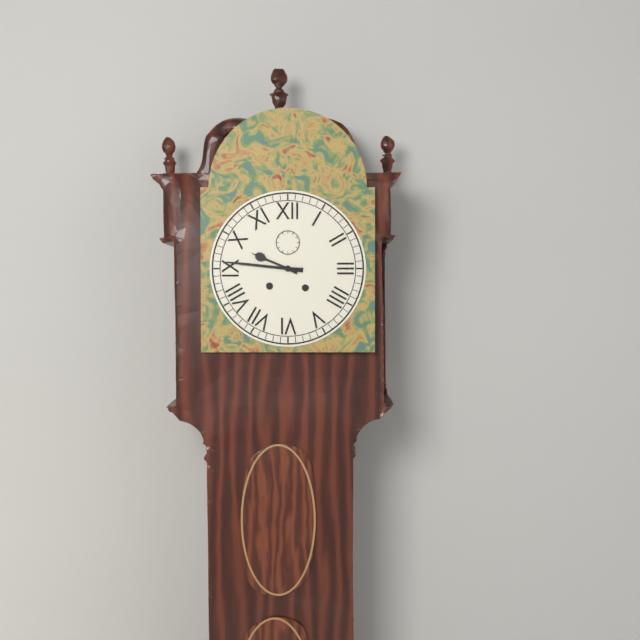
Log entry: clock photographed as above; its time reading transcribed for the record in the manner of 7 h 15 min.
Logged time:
9 h 46 min
